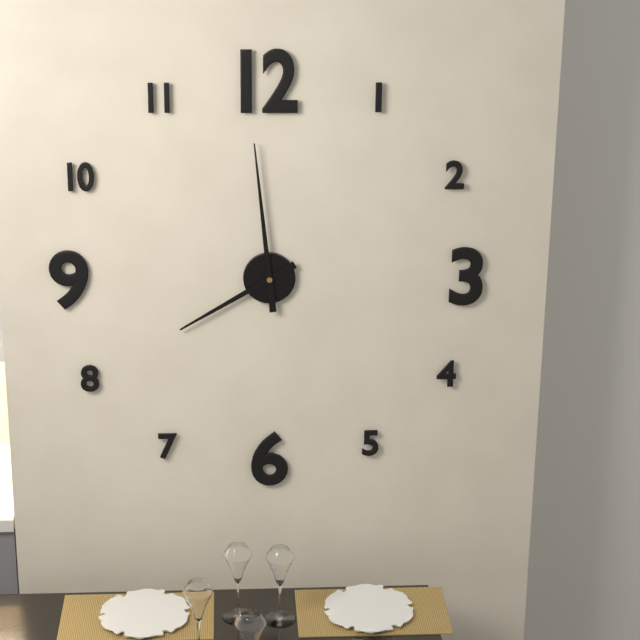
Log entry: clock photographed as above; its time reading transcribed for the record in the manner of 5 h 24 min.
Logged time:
7 h 59 min
